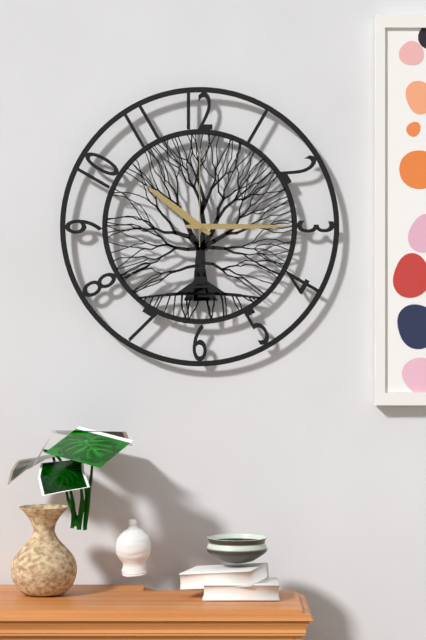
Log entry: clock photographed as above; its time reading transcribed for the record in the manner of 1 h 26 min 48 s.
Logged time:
10 h 15 min 00 s
